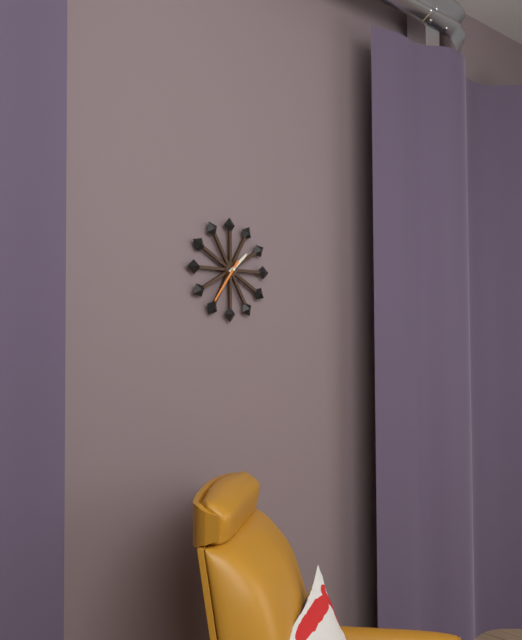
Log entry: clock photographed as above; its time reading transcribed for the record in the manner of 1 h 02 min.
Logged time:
1 h 36 min
